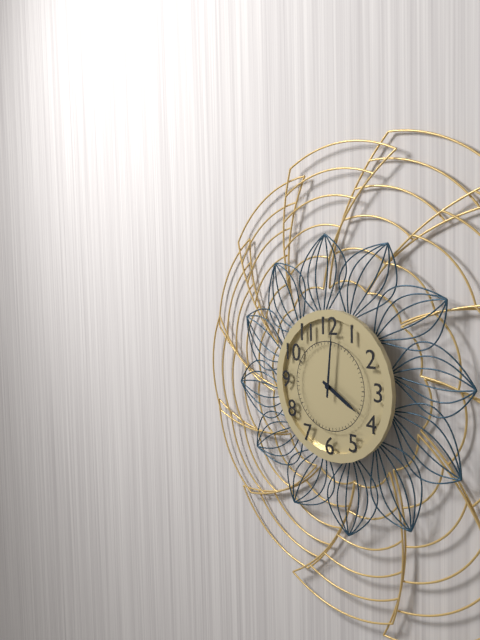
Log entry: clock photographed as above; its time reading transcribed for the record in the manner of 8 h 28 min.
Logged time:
4 h 01 min
